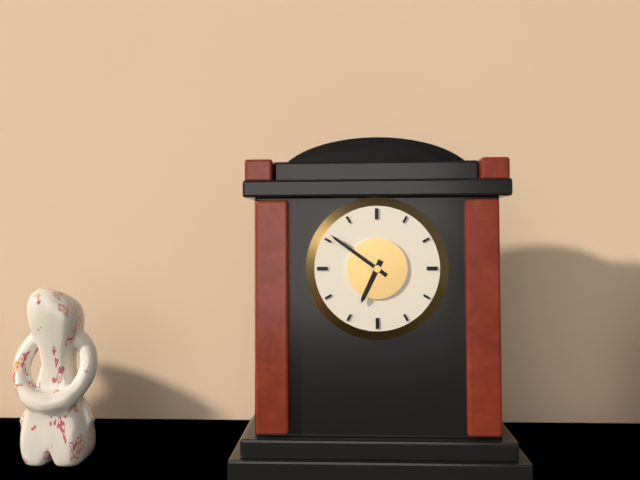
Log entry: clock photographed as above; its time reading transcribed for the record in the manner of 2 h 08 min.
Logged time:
6 h 51 min
